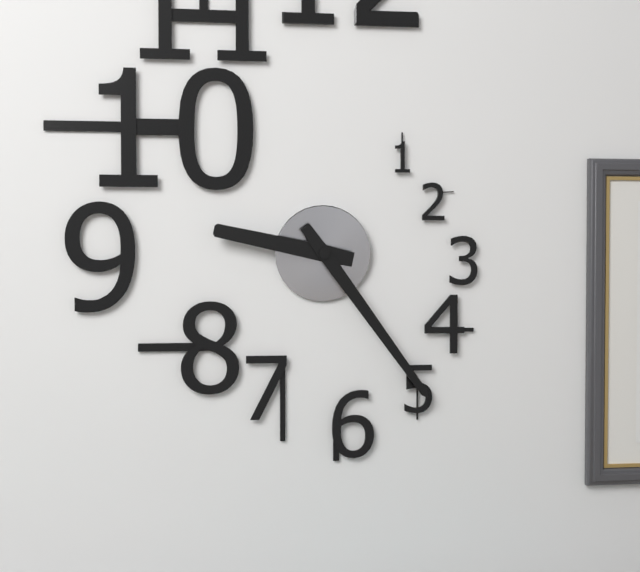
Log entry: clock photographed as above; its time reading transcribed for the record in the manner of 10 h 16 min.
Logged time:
9 h 24 min
